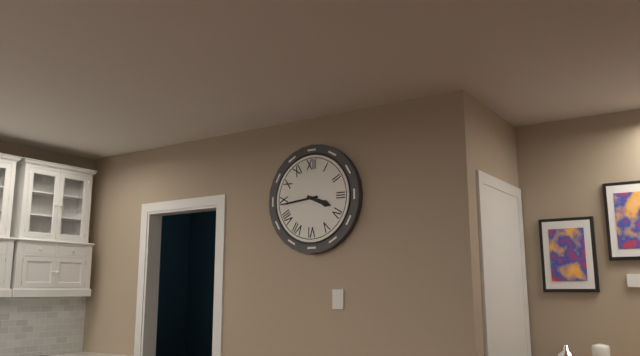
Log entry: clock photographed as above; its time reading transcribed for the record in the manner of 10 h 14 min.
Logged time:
3 h 44 min
